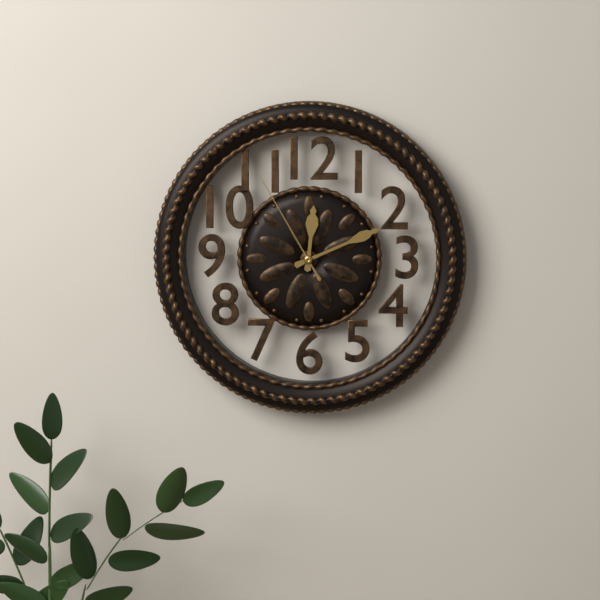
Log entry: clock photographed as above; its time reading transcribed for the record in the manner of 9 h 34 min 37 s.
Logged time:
12 h 11 min 55 s
